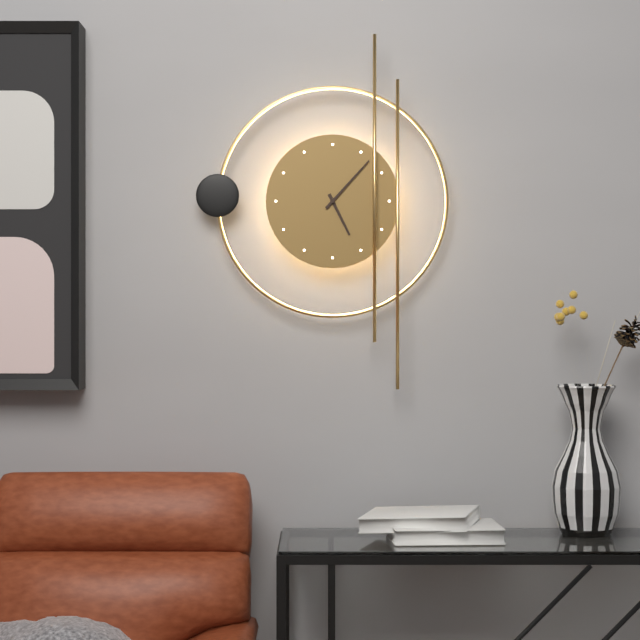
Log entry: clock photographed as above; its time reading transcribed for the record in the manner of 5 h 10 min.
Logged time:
5 h 07 min
